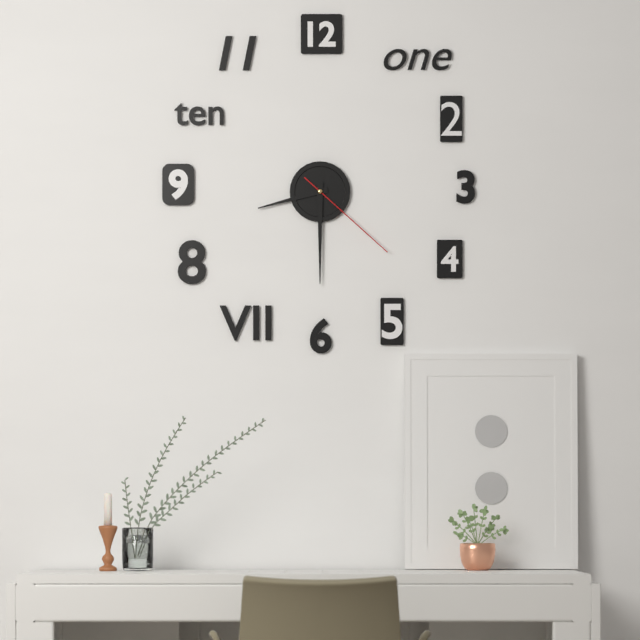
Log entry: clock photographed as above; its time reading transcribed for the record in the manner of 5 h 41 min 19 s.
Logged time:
8 h 30 min 22 s
